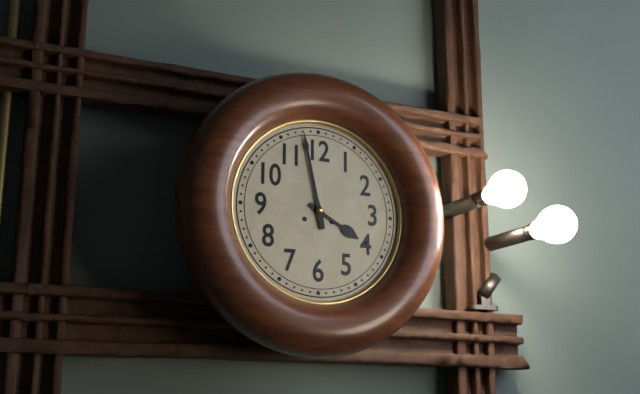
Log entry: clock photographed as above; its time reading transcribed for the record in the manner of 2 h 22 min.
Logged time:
3 h 58 min
